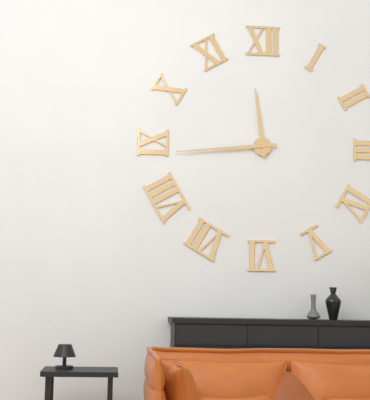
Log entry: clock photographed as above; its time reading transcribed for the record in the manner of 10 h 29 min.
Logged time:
11 h 44 min
